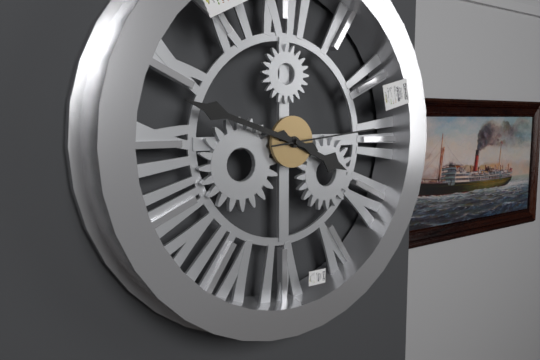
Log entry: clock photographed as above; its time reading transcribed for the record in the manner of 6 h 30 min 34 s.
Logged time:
3 h 48 min 14 s
